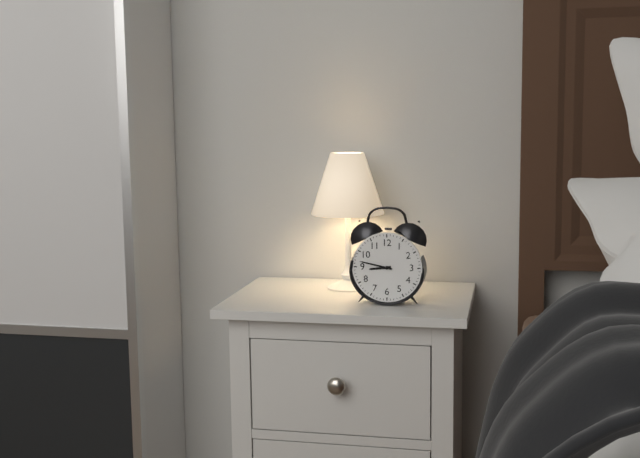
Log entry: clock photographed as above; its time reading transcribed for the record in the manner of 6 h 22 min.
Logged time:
8 h 47 min
